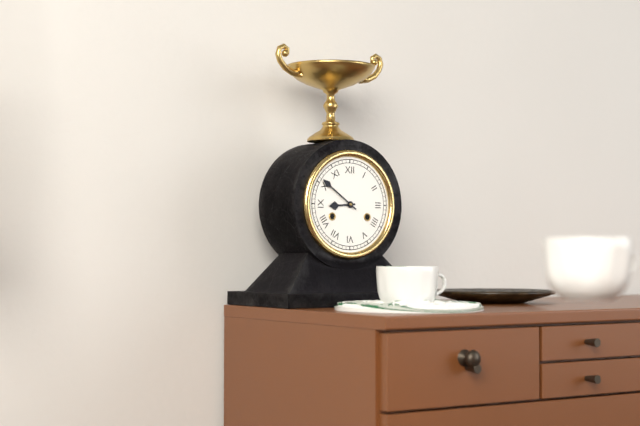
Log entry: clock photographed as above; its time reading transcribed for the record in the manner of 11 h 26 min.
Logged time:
8 h 51 min
